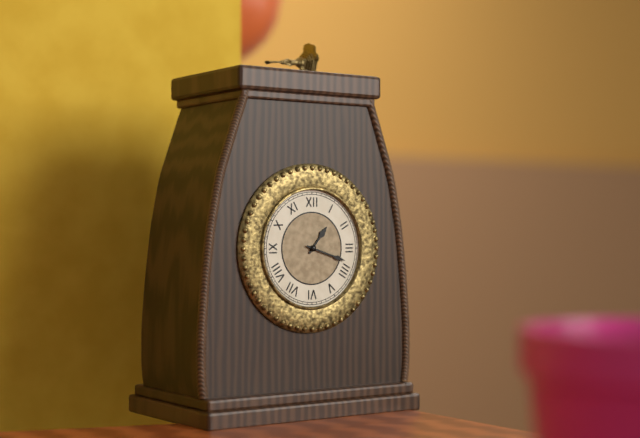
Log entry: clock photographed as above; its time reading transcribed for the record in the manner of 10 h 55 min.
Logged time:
1 h 18 min
